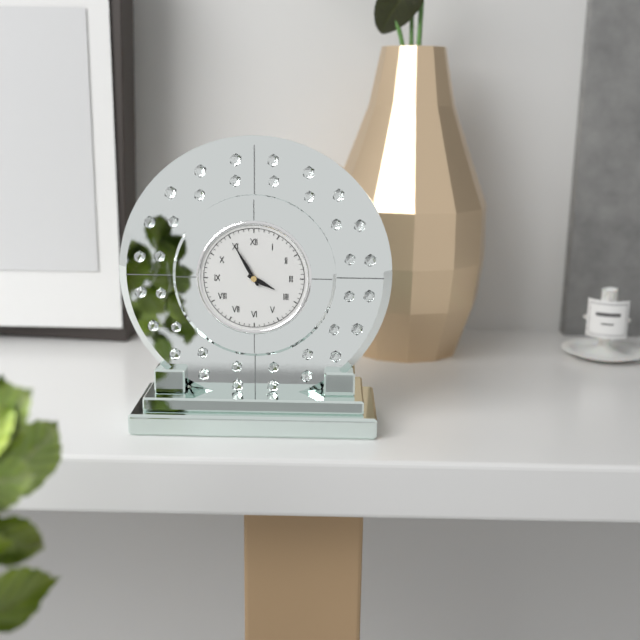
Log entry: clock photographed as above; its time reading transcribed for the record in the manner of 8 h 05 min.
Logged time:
3 h 55 min
